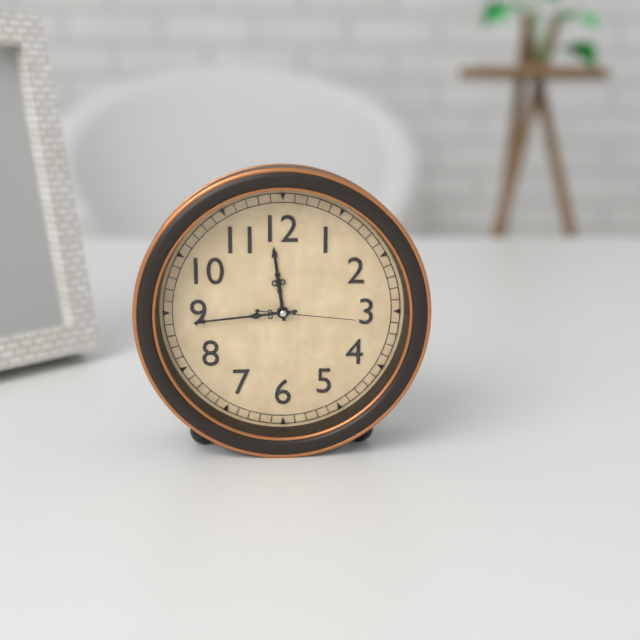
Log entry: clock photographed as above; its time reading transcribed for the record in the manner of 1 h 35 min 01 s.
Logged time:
11 h 44 min 16 s
